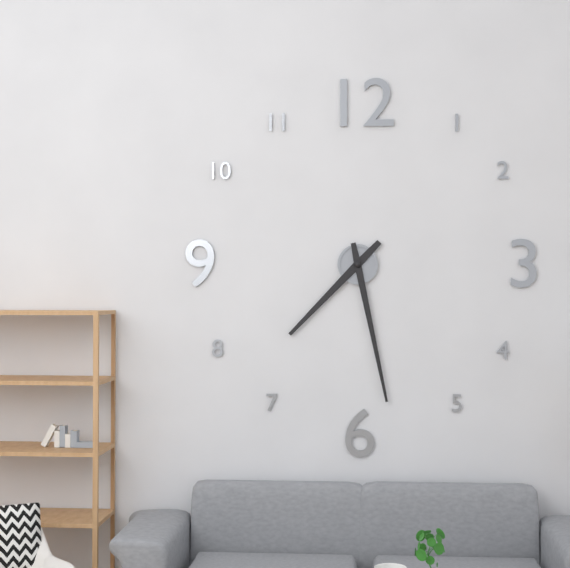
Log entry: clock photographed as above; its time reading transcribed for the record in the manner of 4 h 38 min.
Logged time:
7 h 28 min
